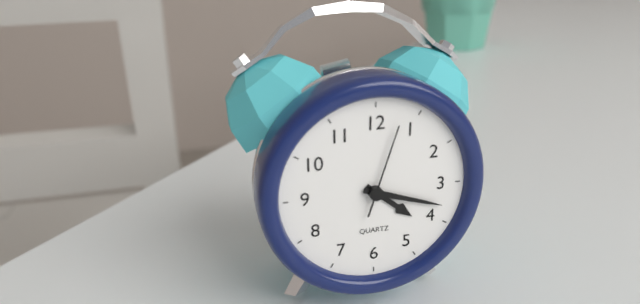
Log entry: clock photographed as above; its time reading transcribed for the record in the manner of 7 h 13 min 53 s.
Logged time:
4 h 18 min 03 s
